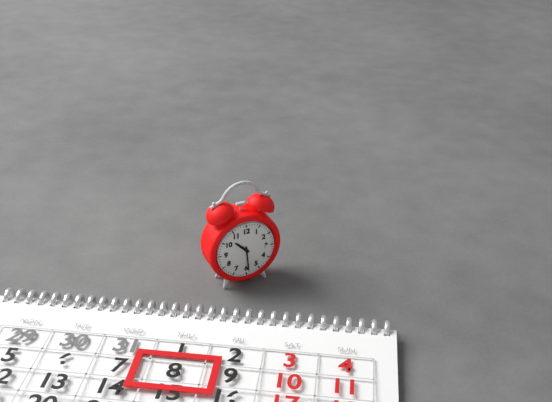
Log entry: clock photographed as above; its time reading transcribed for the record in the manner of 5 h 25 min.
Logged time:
10 h 29 min
